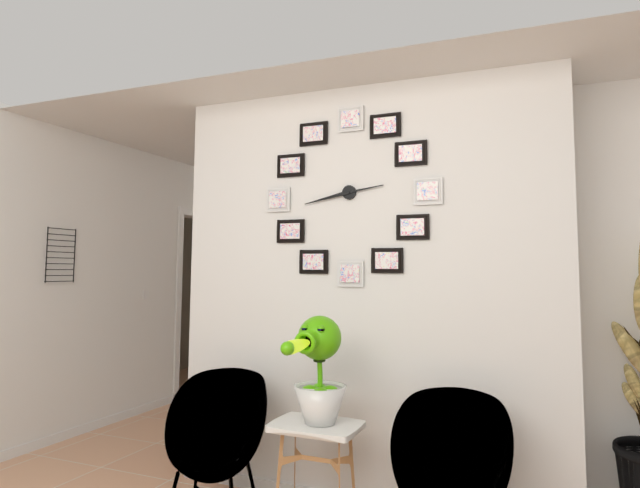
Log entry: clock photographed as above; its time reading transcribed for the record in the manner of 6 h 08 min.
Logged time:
2 h 43 min
